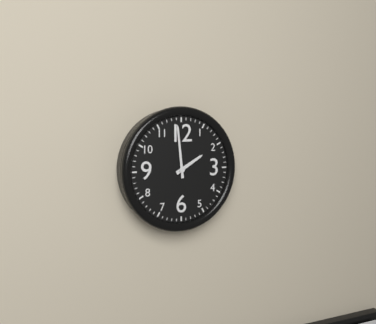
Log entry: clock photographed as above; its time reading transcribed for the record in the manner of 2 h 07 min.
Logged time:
1 h 59 min
